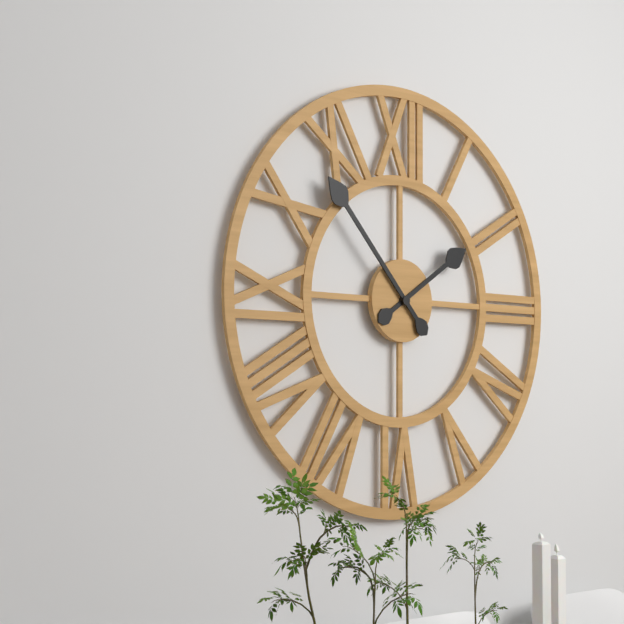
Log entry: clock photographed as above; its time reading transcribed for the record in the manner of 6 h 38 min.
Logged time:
1 h 53 min
